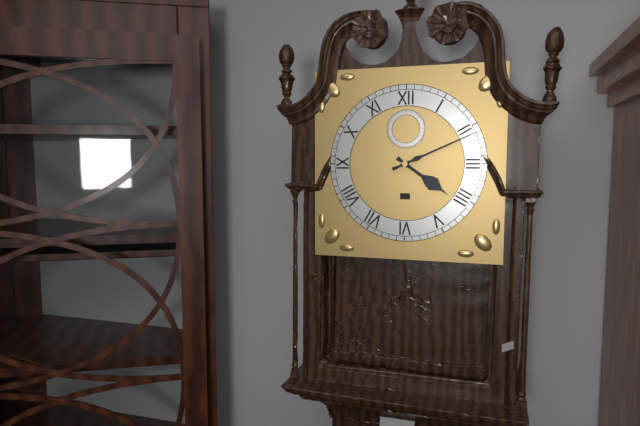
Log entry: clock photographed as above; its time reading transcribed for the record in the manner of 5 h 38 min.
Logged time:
4 h 11 min
